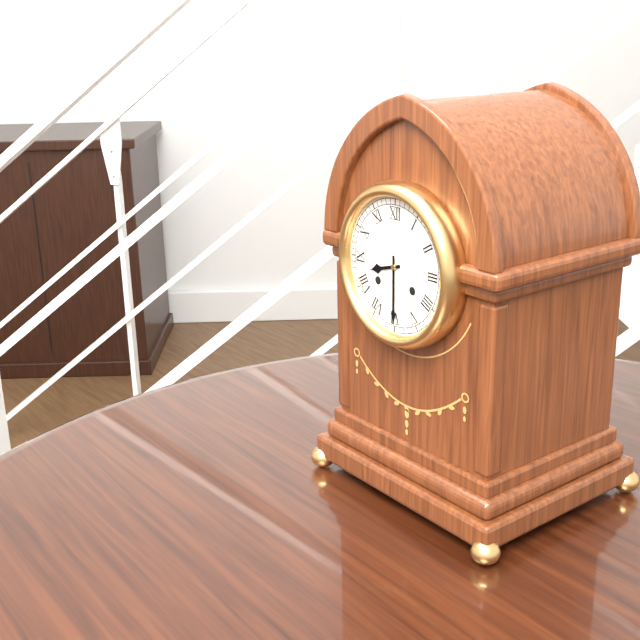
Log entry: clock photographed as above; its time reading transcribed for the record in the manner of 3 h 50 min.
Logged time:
8 h 30 min
